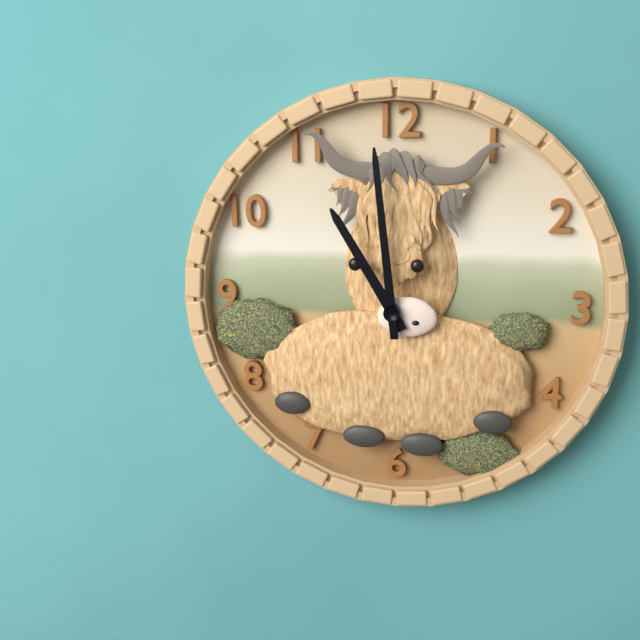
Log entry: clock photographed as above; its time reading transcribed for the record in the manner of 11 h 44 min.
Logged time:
10 h 59 min
